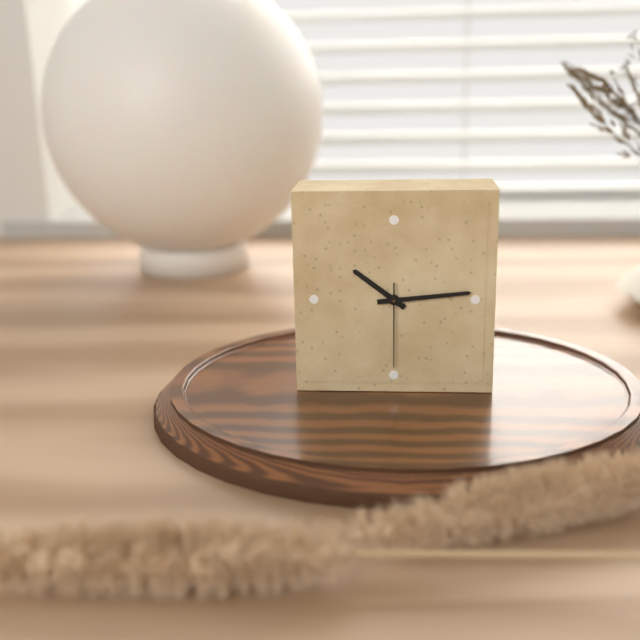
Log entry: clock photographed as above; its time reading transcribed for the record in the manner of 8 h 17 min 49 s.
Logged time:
10 h 14 min 30 s
